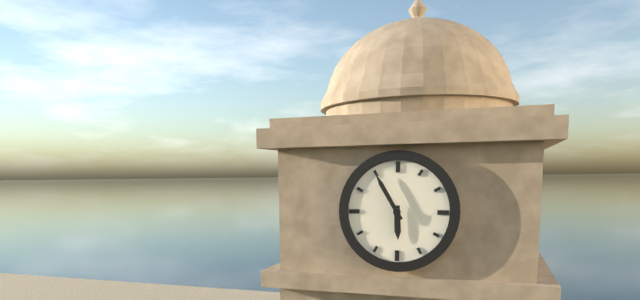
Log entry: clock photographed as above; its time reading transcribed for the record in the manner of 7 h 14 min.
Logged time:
5 h 55 min
